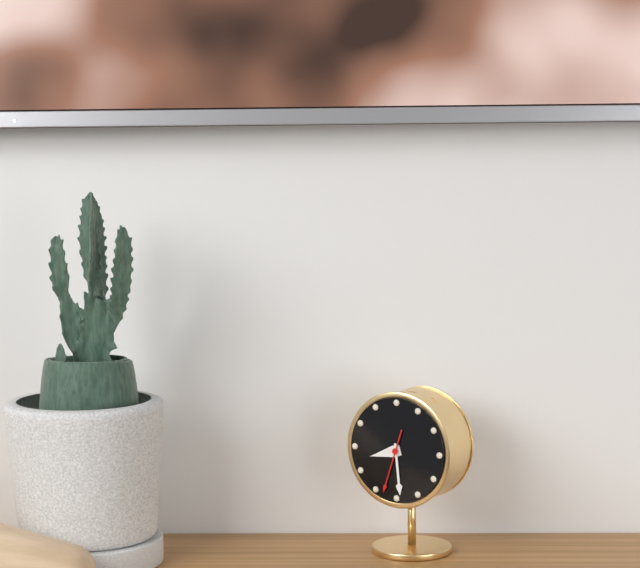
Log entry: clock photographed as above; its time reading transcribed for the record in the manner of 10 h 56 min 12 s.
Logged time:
8 h 29 min 33 s
